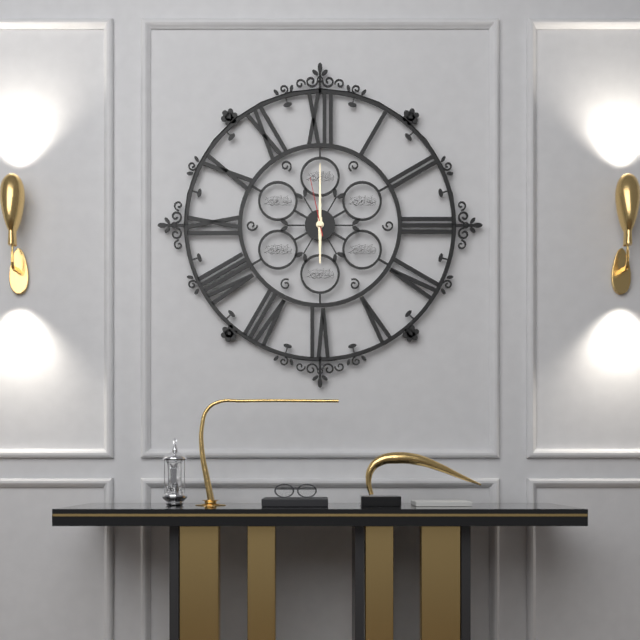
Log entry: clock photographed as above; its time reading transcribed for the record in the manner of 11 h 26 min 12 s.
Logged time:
6 h 00 min 58 s
